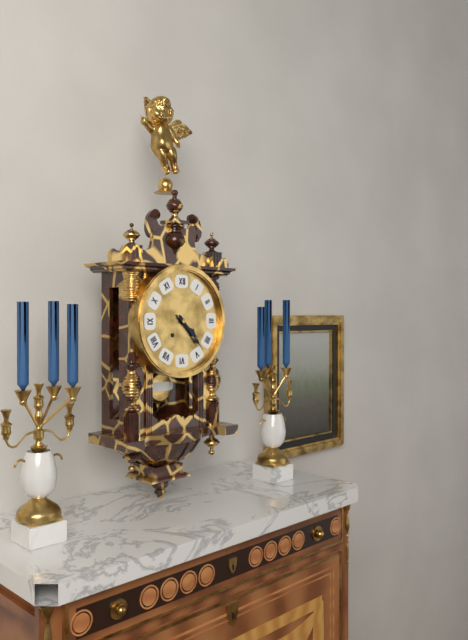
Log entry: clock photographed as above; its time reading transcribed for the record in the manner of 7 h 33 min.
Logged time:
4 h 23 min
